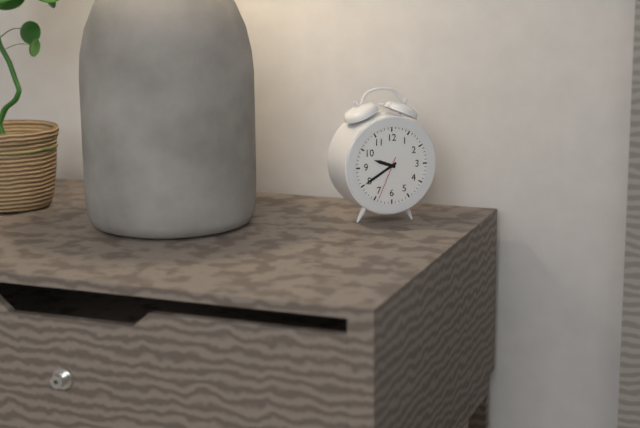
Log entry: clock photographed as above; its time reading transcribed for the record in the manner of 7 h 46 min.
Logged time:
9 h 40 min
